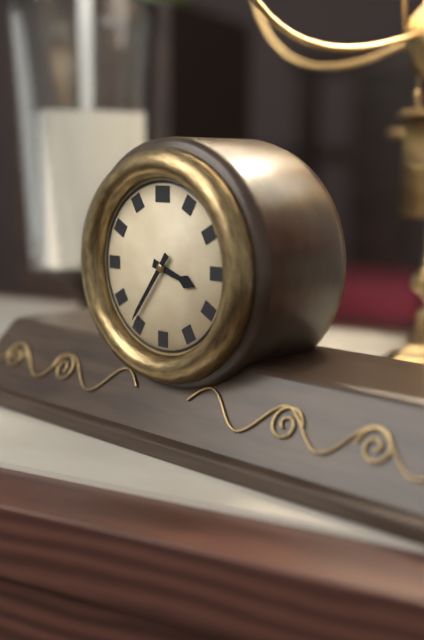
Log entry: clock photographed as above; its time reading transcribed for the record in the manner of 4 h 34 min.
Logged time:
3 h 36 min
